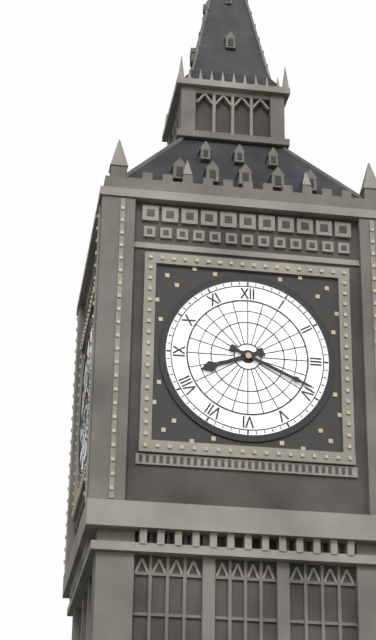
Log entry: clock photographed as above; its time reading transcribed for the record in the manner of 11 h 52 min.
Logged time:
8 h 19 min
